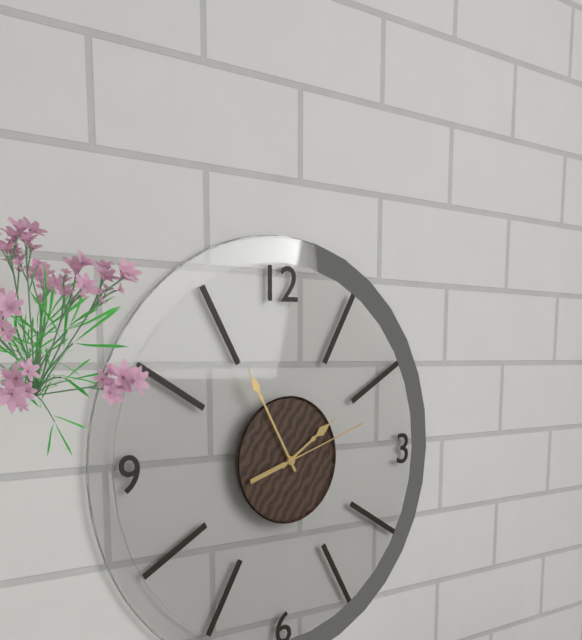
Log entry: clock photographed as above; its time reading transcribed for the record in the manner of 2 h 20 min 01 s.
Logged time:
1 h 55 min 12 s
